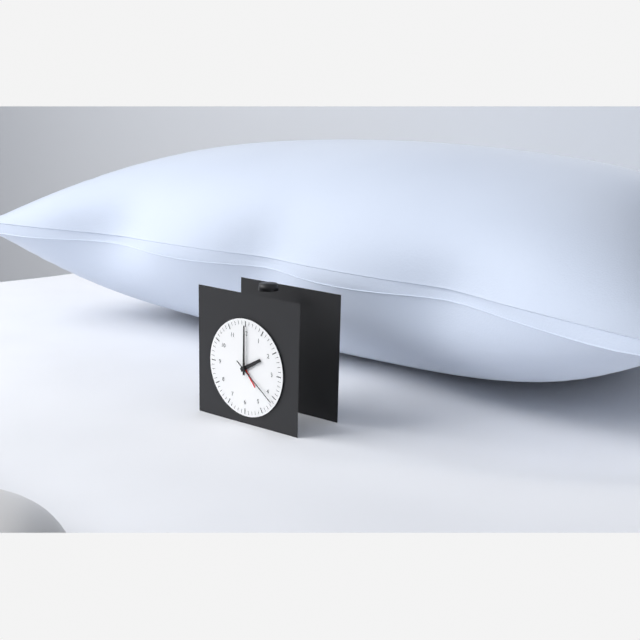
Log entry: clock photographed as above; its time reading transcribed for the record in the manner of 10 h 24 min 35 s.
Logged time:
2 h 00 min 21 s
